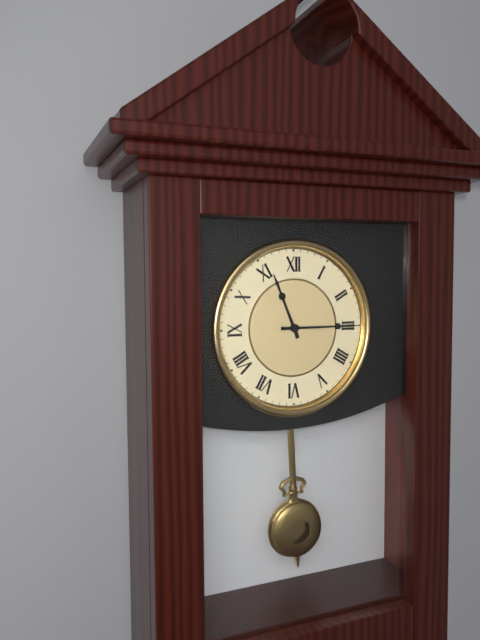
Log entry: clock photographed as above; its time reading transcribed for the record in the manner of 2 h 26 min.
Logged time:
11 h 15 min
